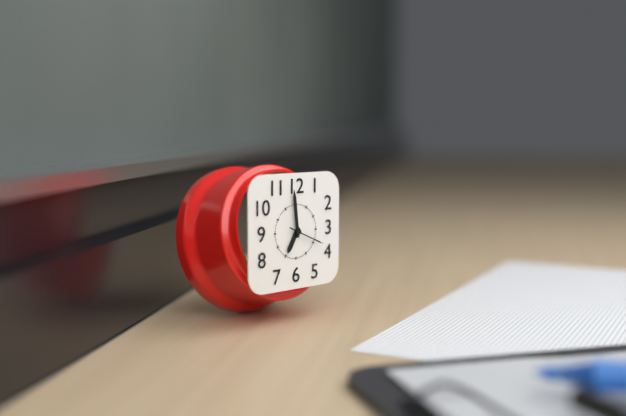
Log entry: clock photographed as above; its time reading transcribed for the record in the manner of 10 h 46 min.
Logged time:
6 h 59 min
